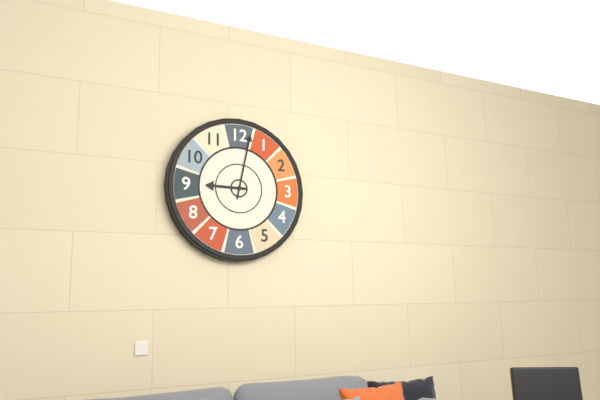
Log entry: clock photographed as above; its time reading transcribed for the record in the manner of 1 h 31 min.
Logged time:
9 h 02 min
